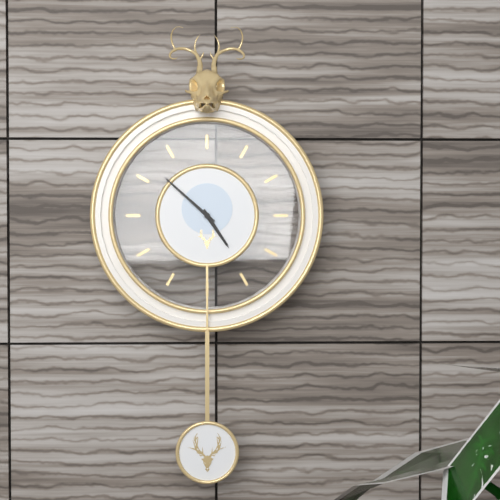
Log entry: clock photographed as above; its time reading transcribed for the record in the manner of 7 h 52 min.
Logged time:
4 h 52 min
